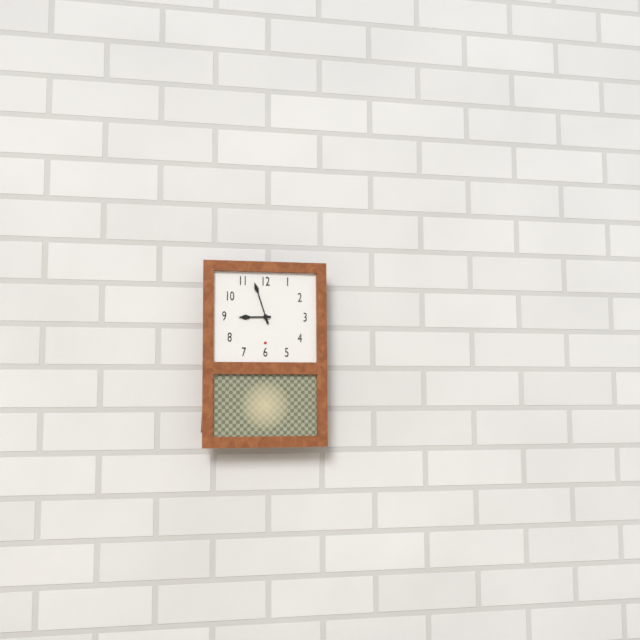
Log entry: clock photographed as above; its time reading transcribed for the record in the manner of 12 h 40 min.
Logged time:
8 h 57 min
